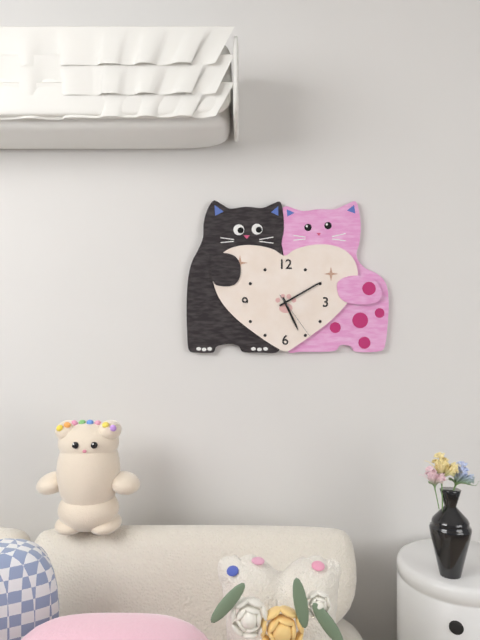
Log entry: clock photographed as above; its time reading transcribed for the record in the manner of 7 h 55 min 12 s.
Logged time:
5 h 10 min 24 s
